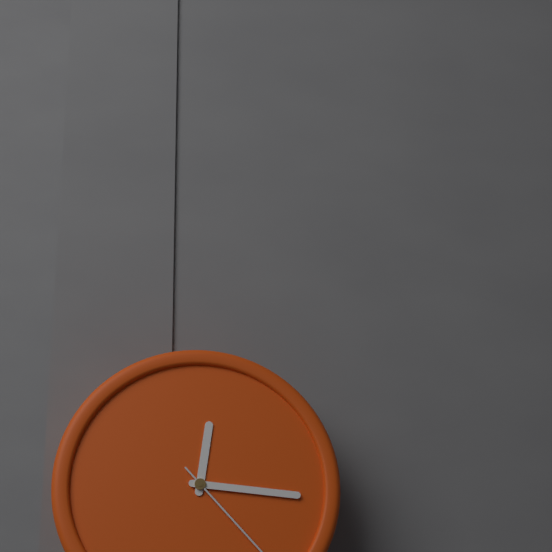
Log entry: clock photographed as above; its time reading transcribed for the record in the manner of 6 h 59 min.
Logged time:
12 h 16 min
